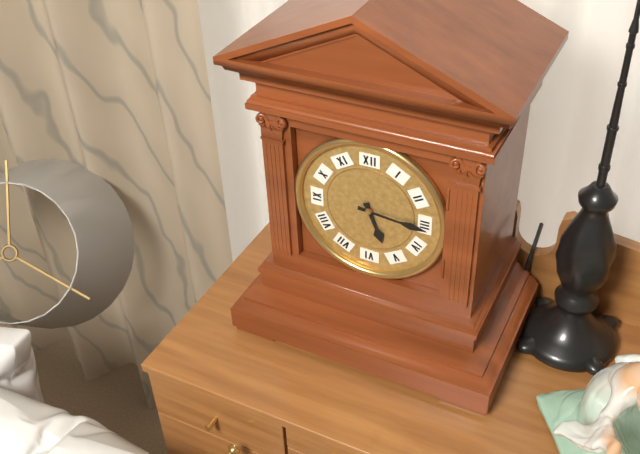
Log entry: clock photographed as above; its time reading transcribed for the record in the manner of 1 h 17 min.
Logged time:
5 h 16 min
